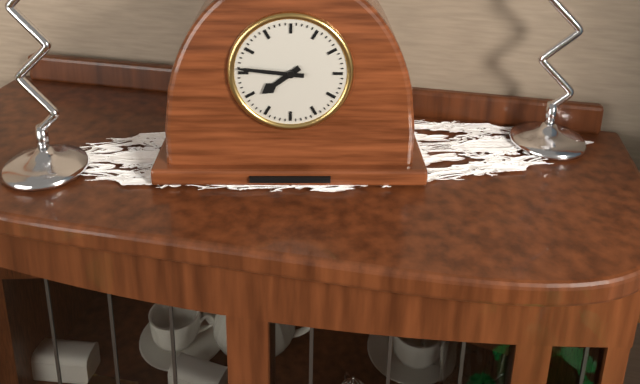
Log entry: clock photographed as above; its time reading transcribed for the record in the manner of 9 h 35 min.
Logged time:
7 h 46 min
